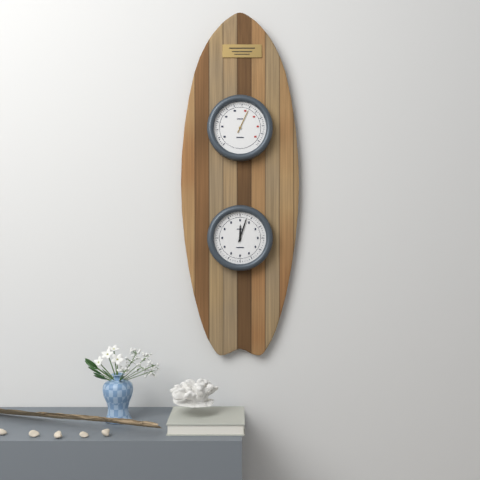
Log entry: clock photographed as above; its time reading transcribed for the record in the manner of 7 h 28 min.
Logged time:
12 h 03 min
